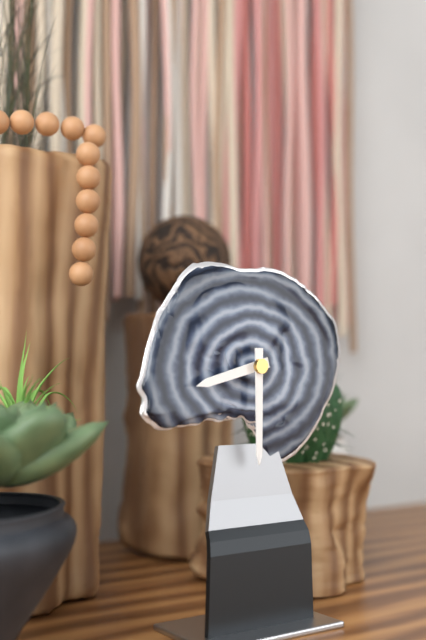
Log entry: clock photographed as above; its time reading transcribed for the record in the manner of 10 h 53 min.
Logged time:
8 h 30 min
